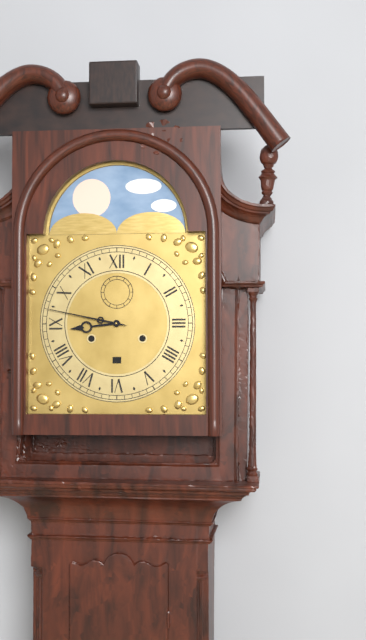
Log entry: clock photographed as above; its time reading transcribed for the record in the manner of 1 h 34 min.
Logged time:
8 h 47 min
